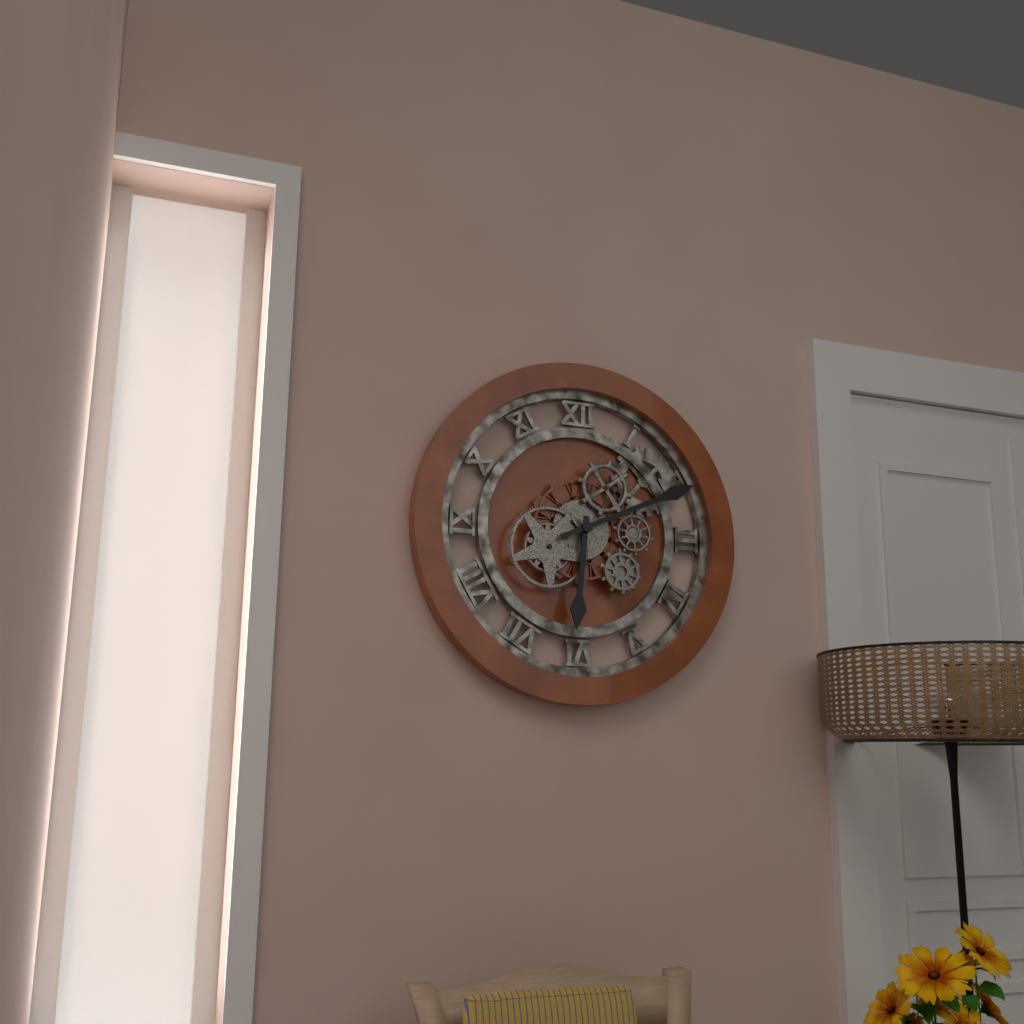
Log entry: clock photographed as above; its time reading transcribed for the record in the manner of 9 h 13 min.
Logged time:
6 h 11 min
